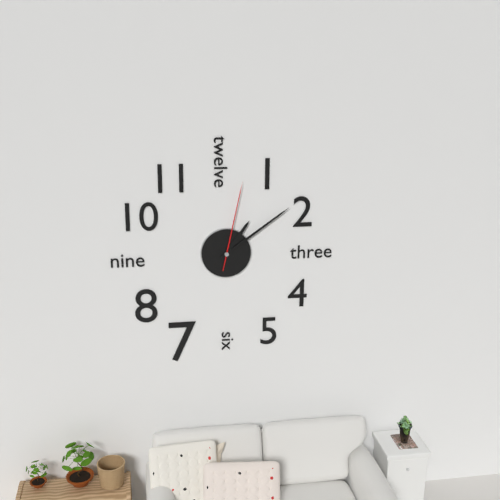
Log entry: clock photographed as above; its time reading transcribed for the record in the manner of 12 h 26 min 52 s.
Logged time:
1 h 09 min 02 s
